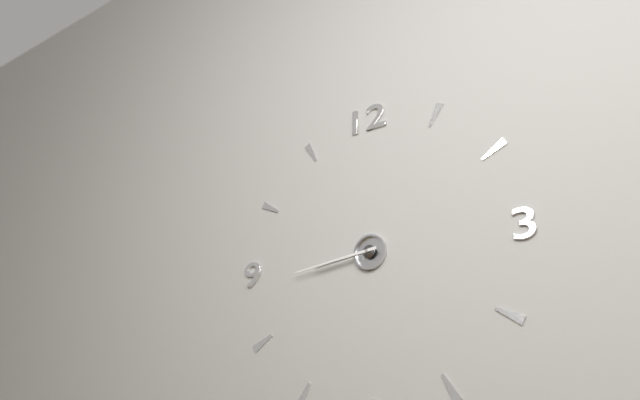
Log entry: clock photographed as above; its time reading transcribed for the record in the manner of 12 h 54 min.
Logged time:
8 h 44 min
